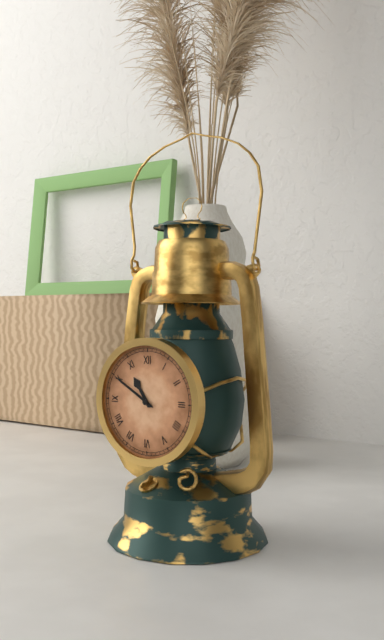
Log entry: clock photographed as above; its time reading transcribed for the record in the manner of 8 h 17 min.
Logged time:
10 h 50 min
